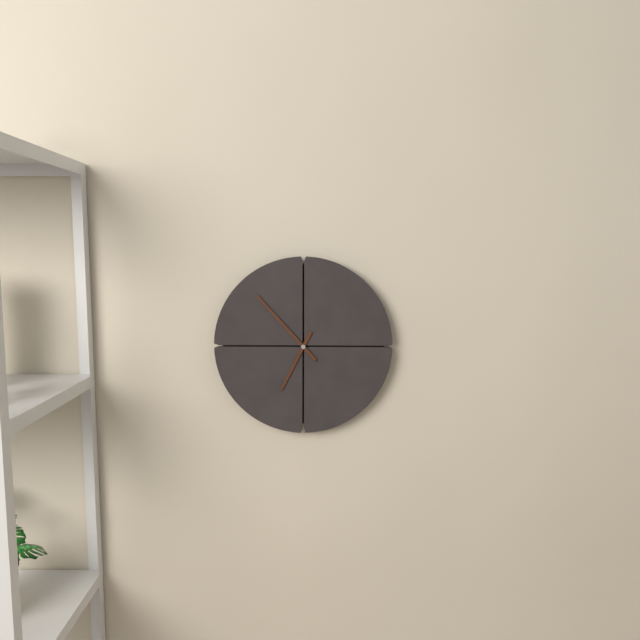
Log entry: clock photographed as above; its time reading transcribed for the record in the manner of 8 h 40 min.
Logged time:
6 h 53 min
